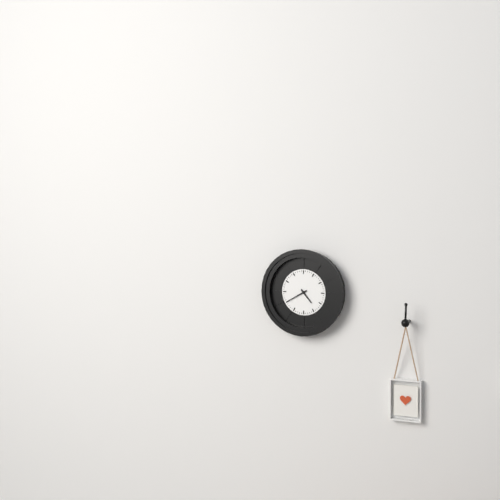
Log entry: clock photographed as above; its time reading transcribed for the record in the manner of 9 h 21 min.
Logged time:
4 h 40 min
